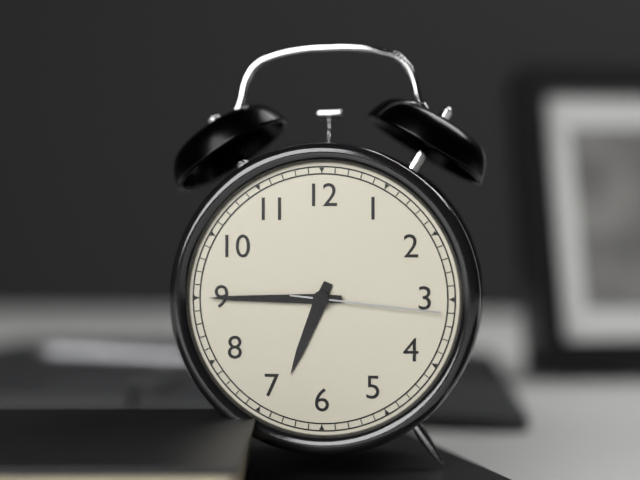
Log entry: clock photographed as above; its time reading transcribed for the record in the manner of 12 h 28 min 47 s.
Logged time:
6 h 45 min 16 s
